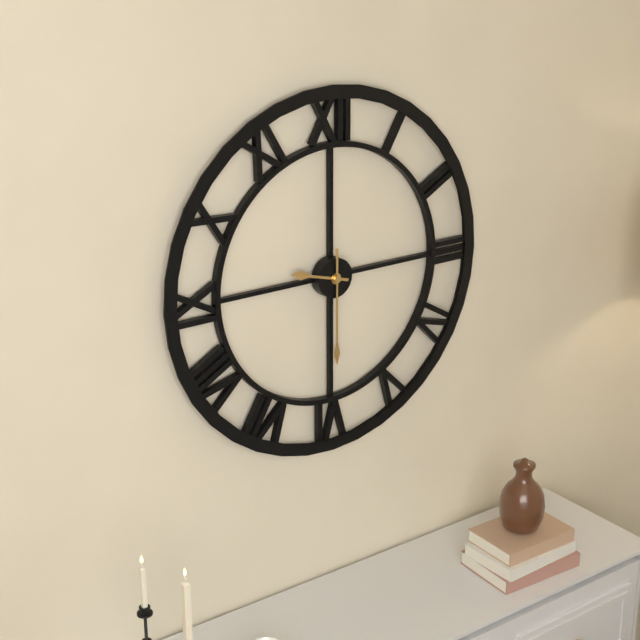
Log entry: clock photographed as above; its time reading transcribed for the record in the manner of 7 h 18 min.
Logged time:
9 h 30 min
